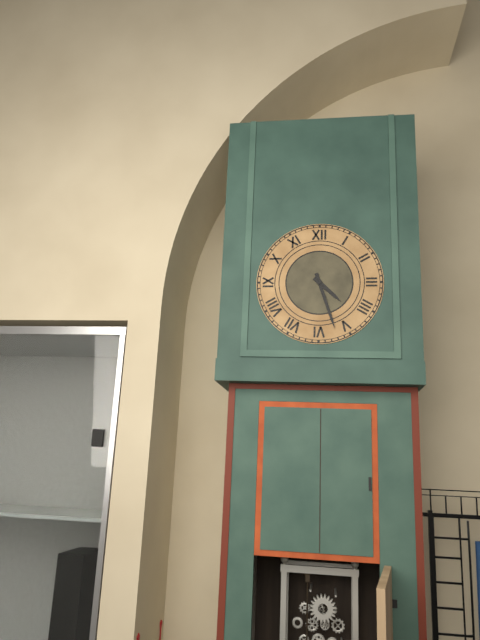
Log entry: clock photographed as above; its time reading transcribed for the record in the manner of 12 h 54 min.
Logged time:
4 h 27 min
